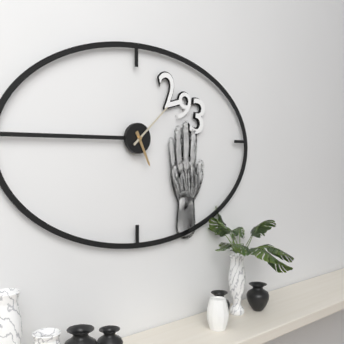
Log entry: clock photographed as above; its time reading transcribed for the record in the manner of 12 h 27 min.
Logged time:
5 h 08 min
